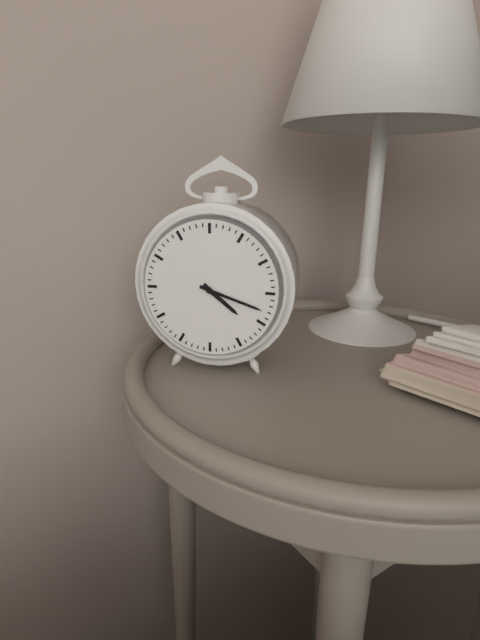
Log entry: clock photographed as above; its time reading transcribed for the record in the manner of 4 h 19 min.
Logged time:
4 h 18 min
